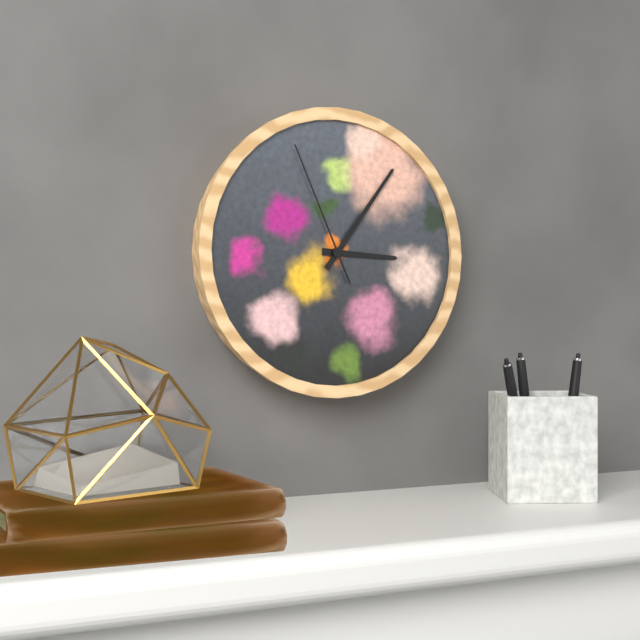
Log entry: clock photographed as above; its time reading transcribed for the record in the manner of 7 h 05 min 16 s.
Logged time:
3 h 06 min 56 s
